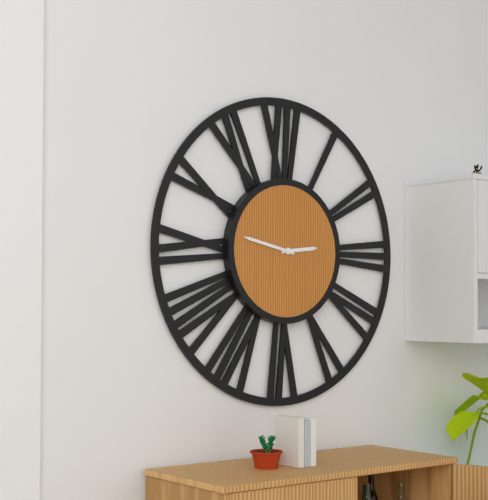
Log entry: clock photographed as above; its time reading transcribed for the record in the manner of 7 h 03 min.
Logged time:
2 h 47 min
